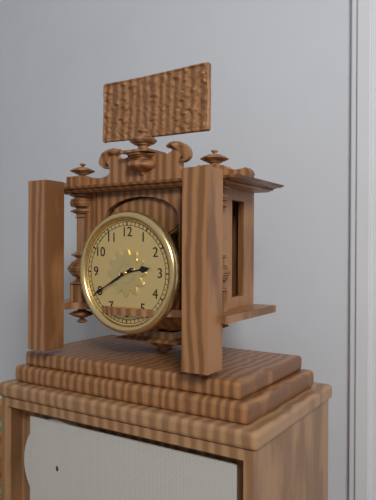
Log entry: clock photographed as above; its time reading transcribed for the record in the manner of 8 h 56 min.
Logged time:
2 h 40 min
